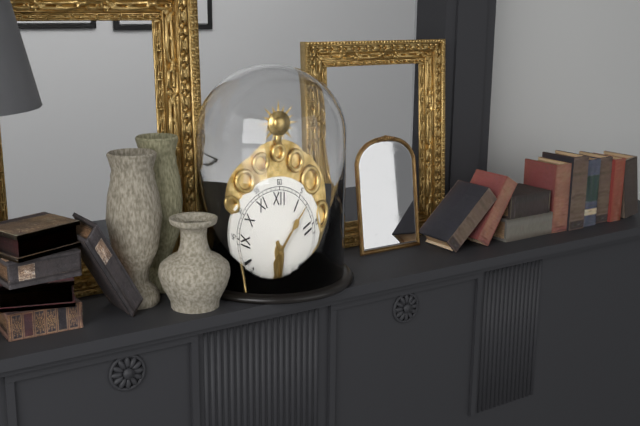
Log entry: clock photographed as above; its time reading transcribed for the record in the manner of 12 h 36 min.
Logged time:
5 h 07 min
